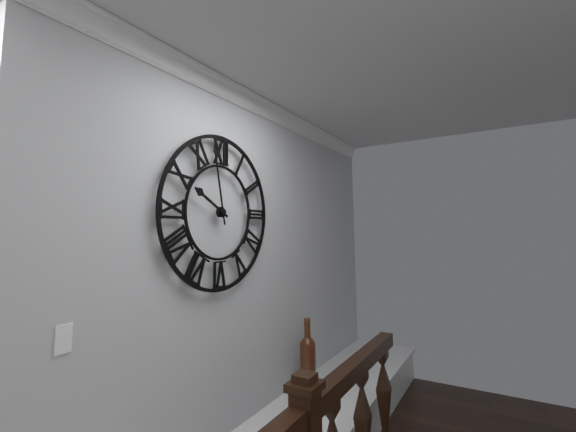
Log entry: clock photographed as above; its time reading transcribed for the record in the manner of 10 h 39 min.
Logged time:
9 h 58 min
